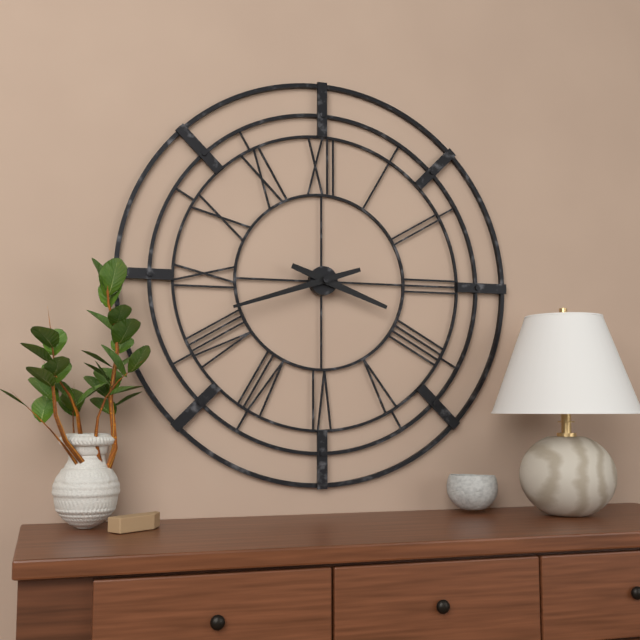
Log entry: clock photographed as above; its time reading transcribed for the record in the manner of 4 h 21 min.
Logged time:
3 h 42 min
